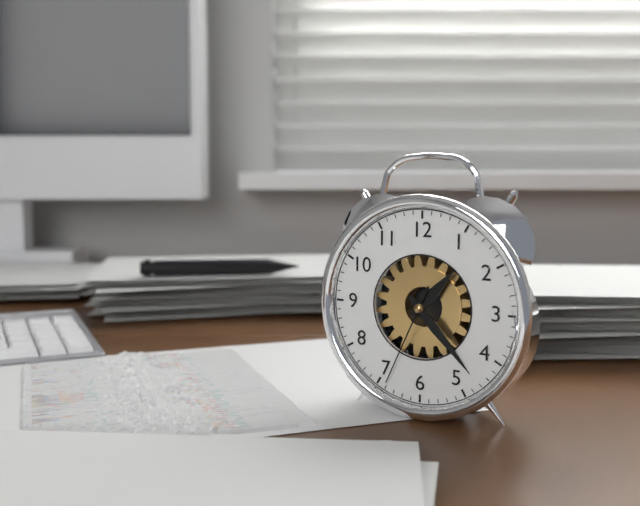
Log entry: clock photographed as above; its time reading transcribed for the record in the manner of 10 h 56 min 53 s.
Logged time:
1 h 23 min 34 s
